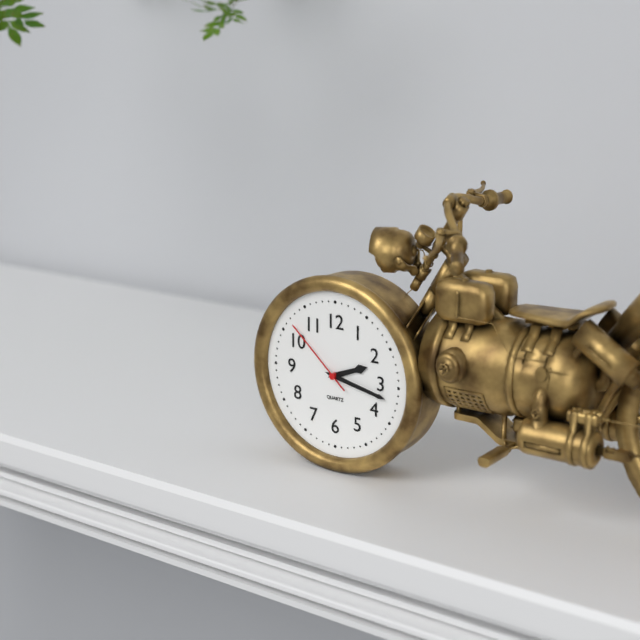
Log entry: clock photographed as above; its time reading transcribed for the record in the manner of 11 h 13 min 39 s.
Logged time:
2 h 17 min 52 s
